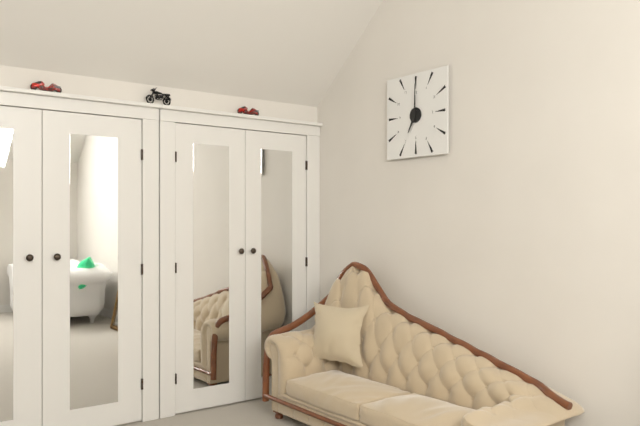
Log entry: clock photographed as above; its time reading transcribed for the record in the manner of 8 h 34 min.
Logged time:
7 h 00 min
